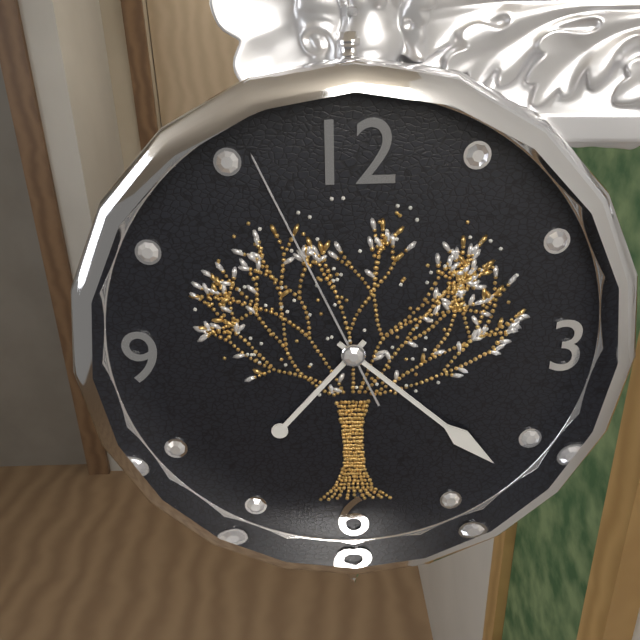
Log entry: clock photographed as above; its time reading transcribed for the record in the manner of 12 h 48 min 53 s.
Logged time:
7 h 22 min 56 s
